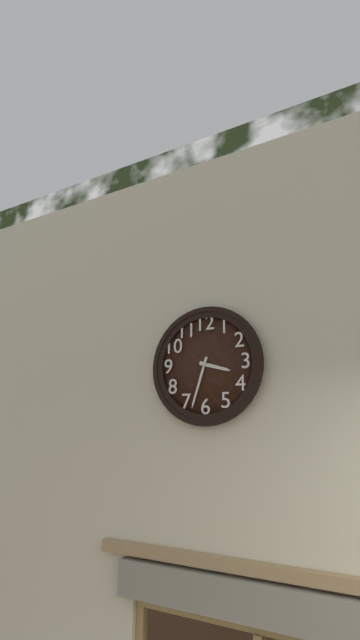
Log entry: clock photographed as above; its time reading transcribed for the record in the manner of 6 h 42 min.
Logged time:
3 h 33 min
